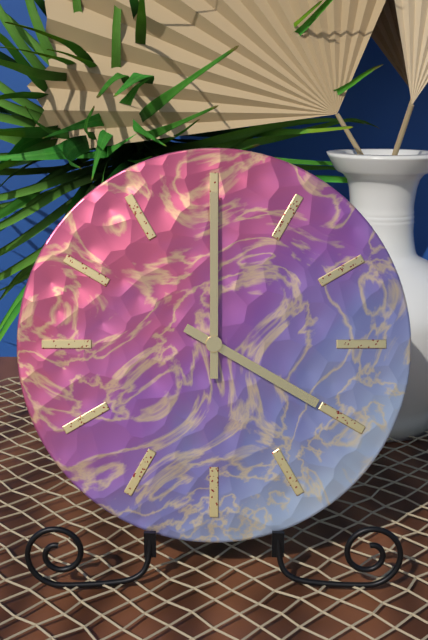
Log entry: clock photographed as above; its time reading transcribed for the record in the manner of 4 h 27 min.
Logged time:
4 h 00 min
